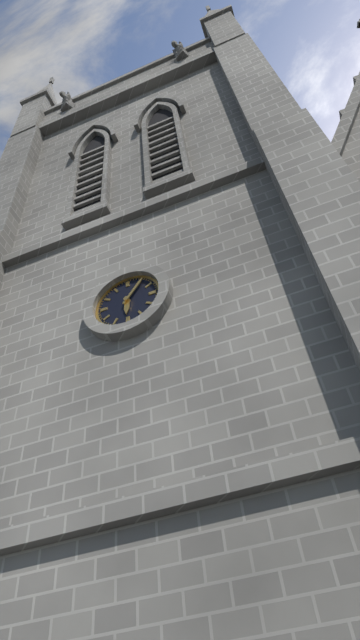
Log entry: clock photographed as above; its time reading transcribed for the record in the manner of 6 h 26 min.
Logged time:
6 h 06 min
